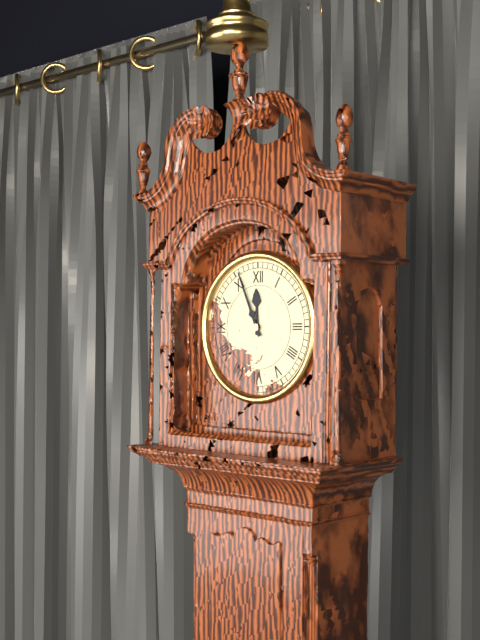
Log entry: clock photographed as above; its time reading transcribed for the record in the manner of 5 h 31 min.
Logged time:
11 h 56 min
